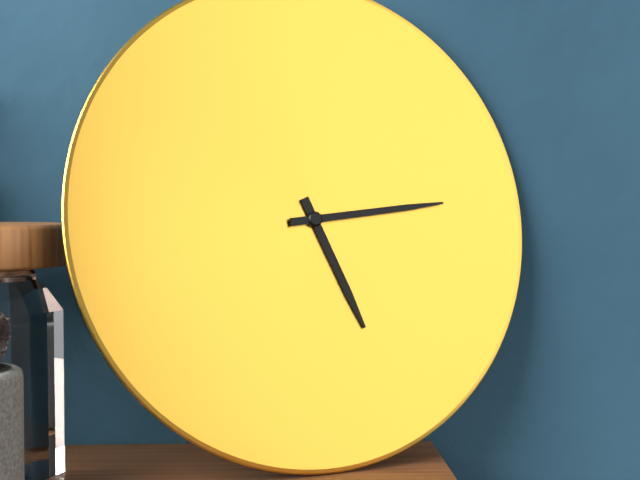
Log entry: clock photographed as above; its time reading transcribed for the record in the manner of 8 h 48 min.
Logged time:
5 h 14 min
